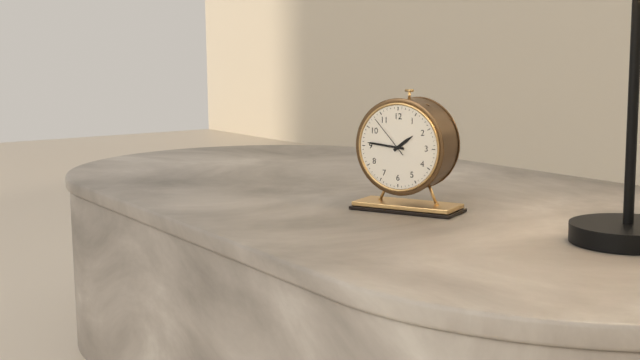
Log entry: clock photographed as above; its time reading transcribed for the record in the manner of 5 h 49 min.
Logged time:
1 h 46 min
